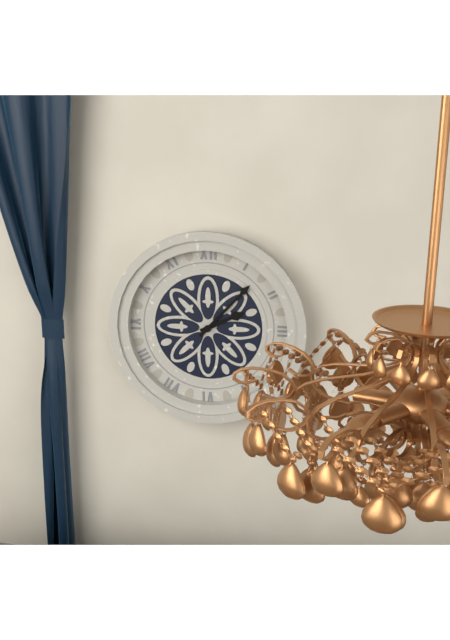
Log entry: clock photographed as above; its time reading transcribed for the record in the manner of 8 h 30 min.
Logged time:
2 h 07 min
